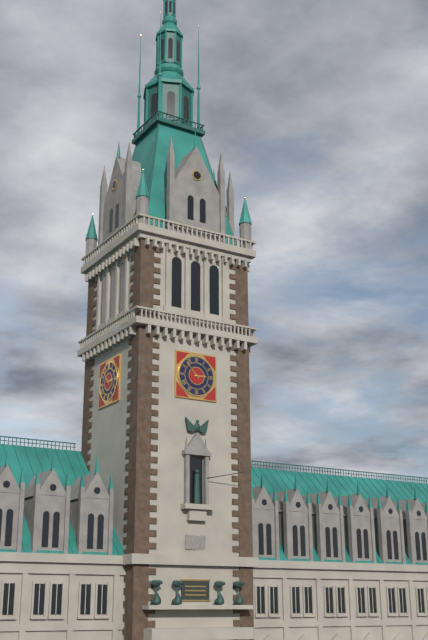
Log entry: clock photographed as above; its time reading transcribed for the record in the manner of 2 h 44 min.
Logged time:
2 h 53 min
